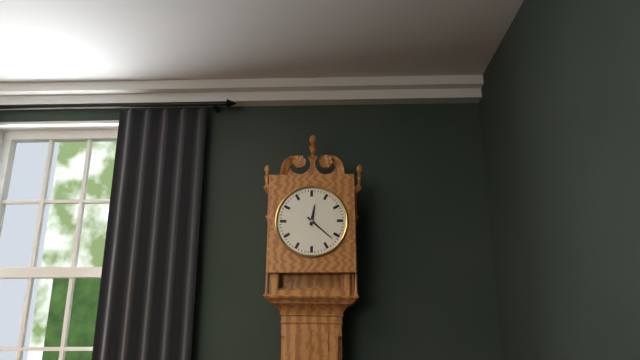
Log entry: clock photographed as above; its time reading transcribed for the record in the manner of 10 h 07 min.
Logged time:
12 h 22 min
